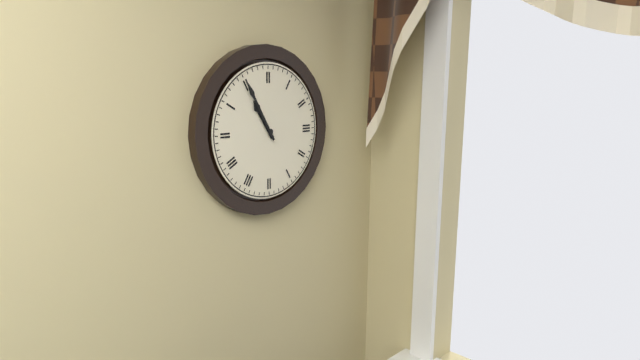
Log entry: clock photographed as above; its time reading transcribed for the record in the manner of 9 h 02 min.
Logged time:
10 h 55 min
